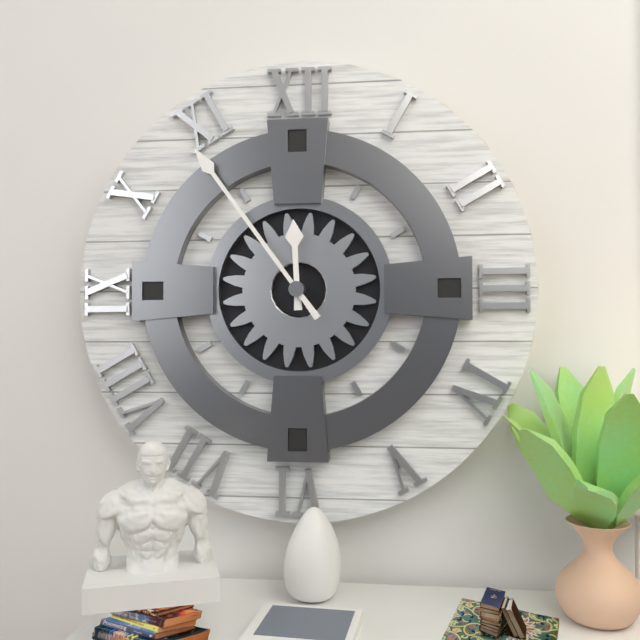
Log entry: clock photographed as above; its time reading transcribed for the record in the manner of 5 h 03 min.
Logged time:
11 h 54 min
